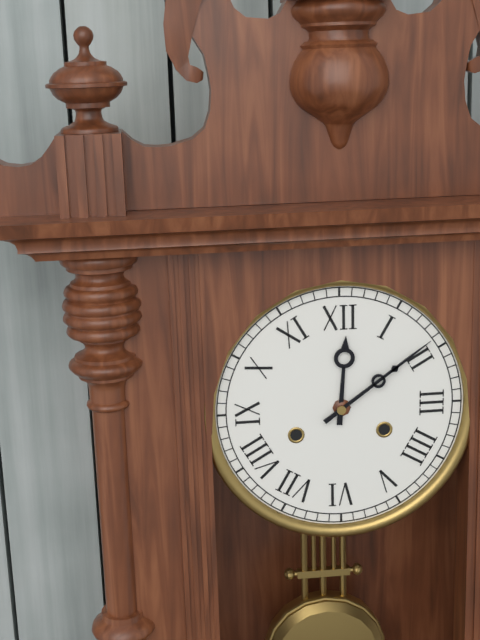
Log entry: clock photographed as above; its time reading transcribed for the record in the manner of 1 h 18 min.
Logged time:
12 h 09 min
